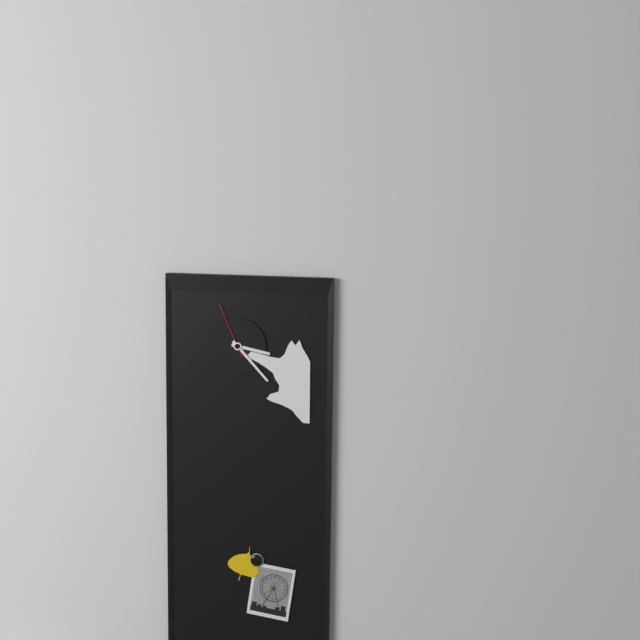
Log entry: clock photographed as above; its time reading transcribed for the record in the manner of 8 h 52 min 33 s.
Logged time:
3 h 23 min 56 s
